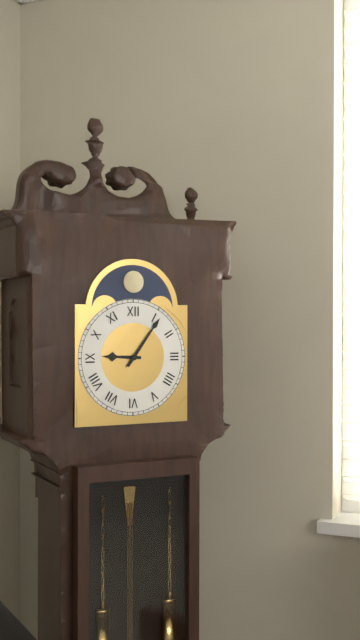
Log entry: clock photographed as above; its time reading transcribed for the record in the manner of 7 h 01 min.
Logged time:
9 h 06 min
